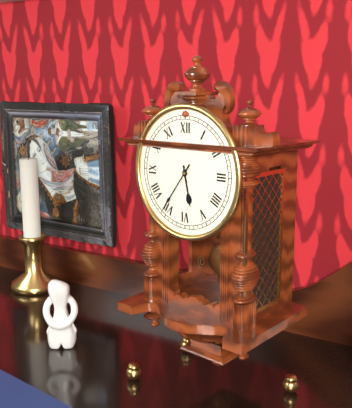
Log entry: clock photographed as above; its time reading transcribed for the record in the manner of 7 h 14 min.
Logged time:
5 h 36 min
